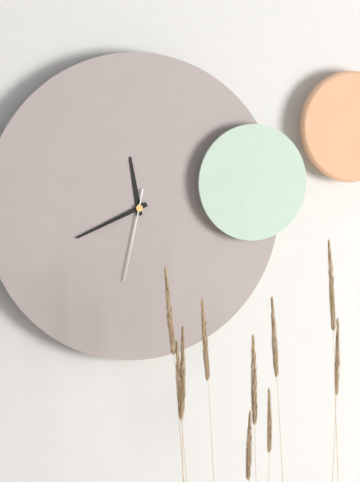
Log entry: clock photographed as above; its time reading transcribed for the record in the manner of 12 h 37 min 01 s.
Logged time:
11 h 41 min 32 s
